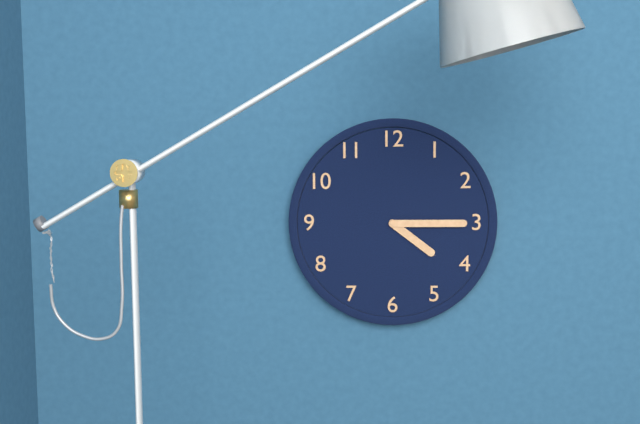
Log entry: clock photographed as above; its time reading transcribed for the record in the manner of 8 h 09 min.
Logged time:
4 h 15 min
